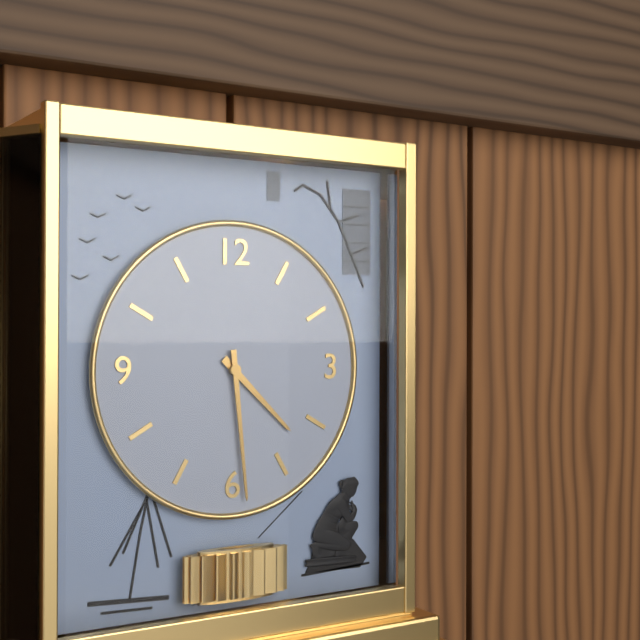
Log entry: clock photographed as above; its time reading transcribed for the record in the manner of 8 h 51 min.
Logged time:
4 h 29 min
